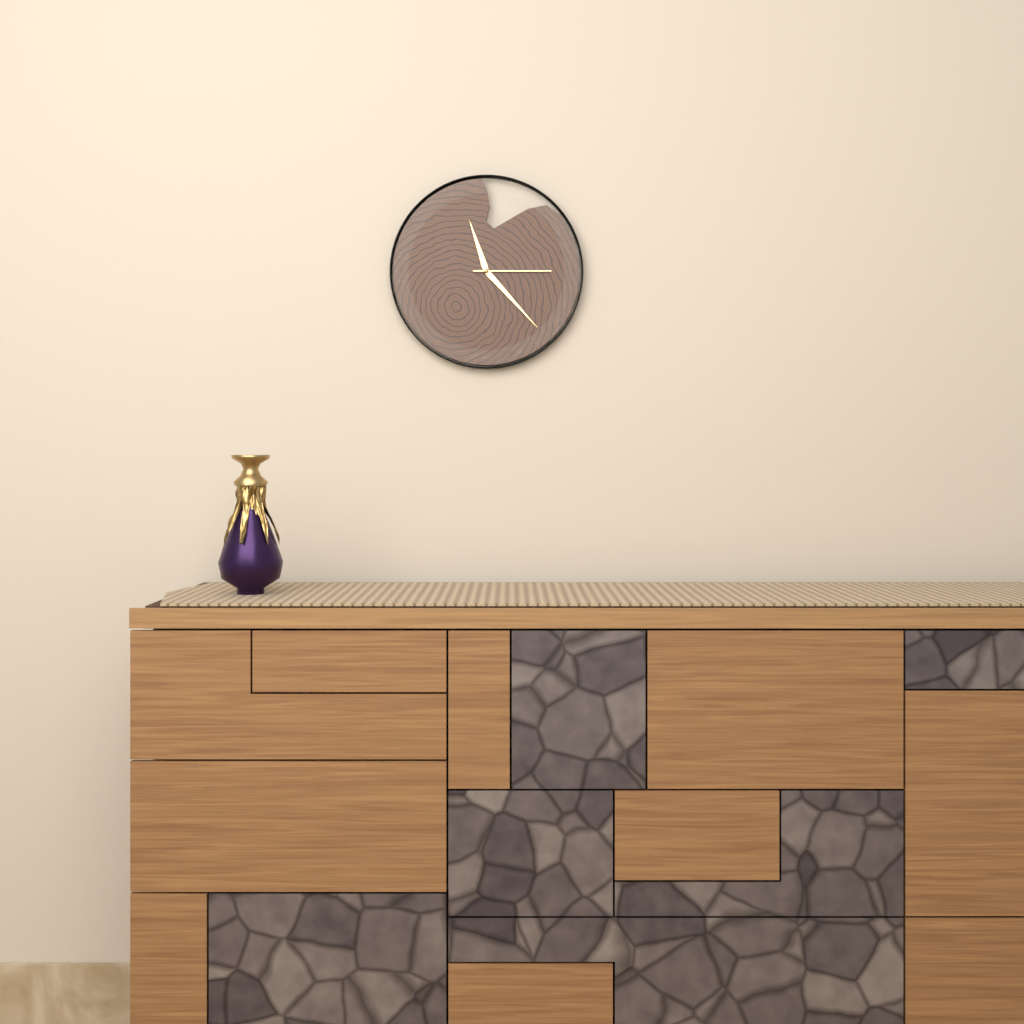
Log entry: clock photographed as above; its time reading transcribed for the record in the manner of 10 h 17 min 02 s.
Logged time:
11 h 23 min 15 s
